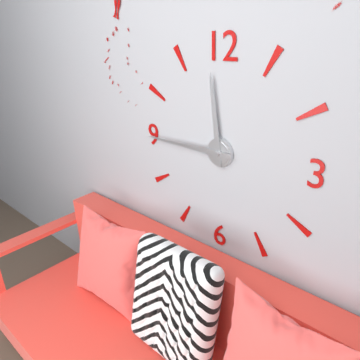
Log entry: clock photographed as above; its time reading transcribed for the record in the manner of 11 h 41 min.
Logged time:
11 h 45 min
